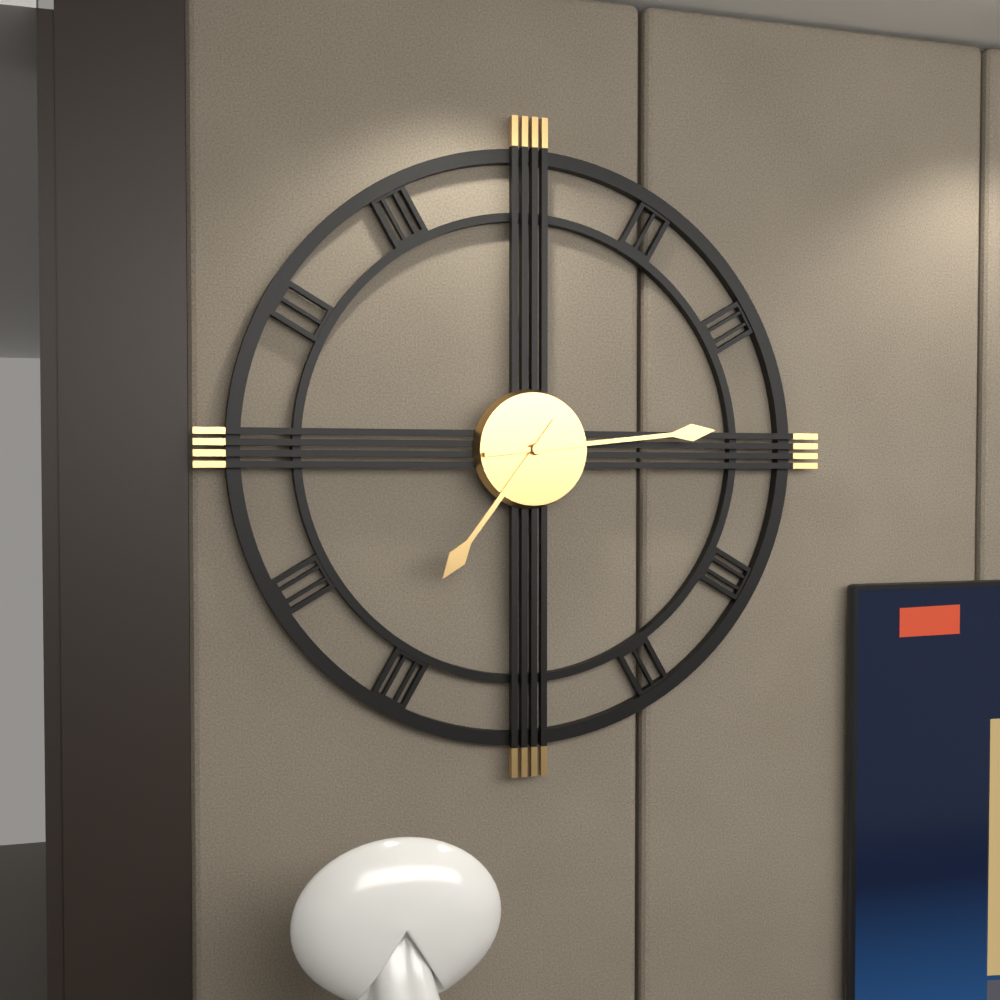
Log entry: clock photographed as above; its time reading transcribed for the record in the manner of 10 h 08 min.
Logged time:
7 h 14 min
